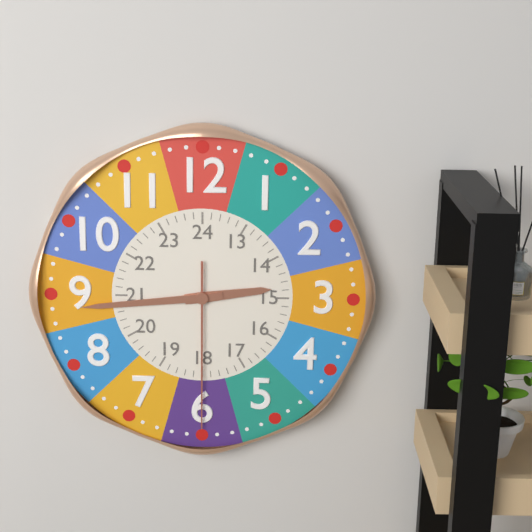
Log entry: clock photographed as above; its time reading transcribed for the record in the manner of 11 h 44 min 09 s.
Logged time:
2 h 44 min 30 s
